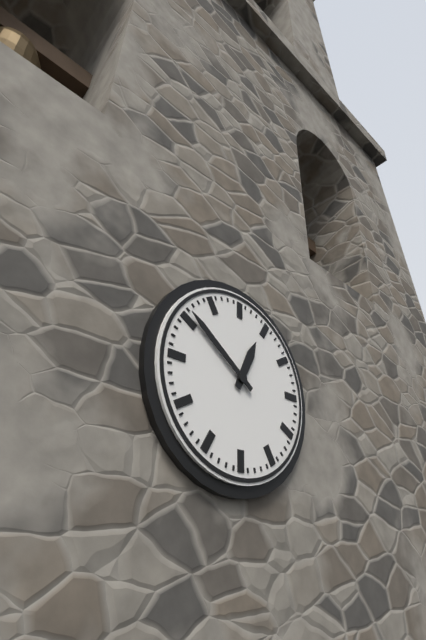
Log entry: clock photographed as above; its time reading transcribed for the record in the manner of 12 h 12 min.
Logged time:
12 h 51 min
